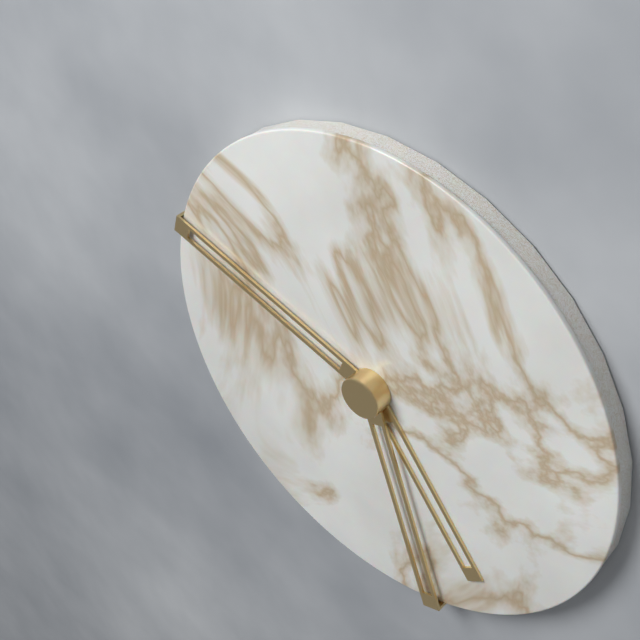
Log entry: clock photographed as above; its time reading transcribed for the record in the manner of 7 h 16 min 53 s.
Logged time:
4 h 48 min 27 s
